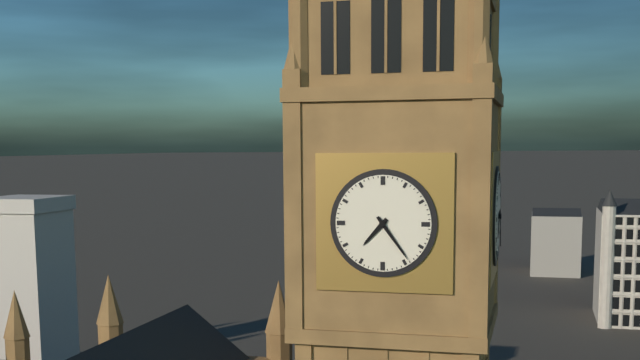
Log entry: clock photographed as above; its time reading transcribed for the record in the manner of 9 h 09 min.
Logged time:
7 h 24 min
